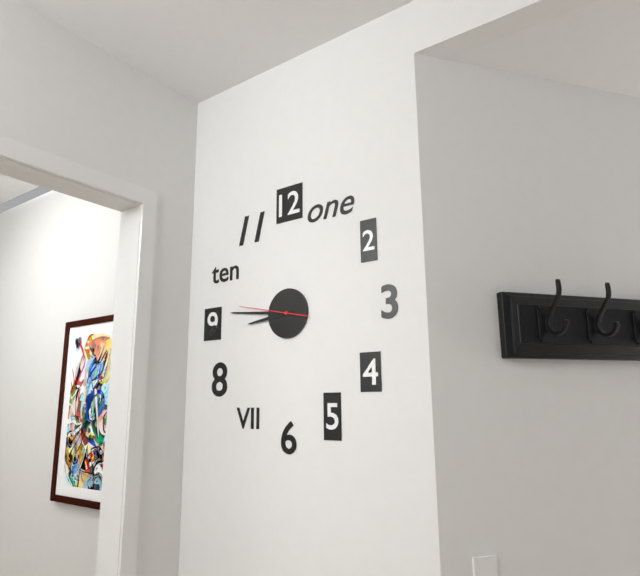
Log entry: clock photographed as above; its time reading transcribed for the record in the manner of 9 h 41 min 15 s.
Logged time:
8 h 46 min 47 s
